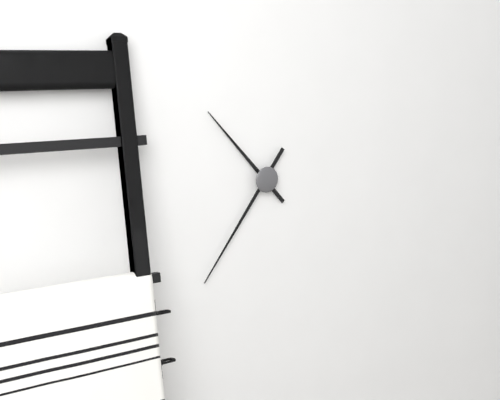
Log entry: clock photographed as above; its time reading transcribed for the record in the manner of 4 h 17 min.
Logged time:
10 h 36 min
